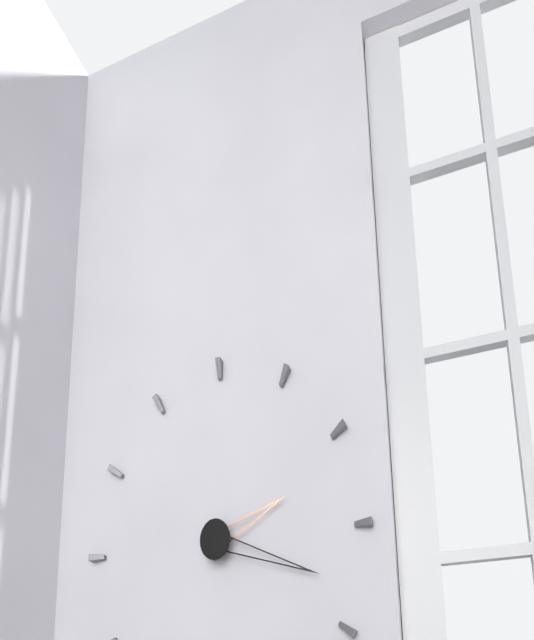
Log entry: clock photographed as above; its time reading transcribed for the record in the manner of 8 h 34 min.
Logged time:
2 h 18 min
